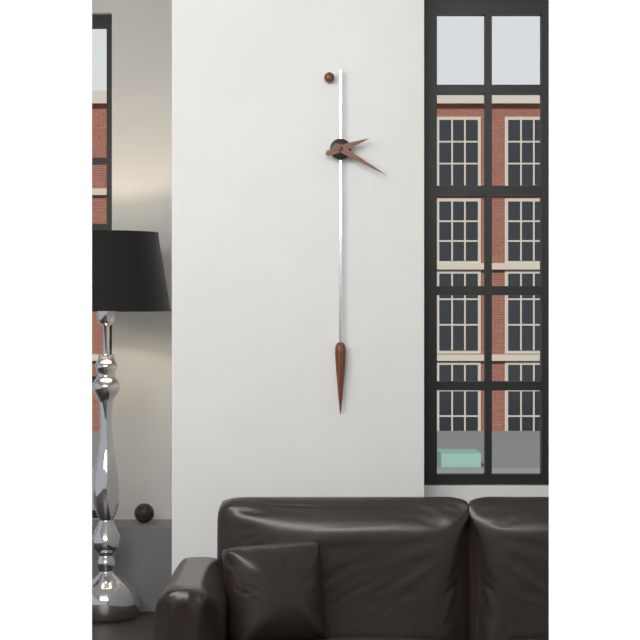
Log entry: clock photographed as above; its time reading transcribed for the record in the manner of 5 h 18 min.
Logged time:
2 h 20 min
